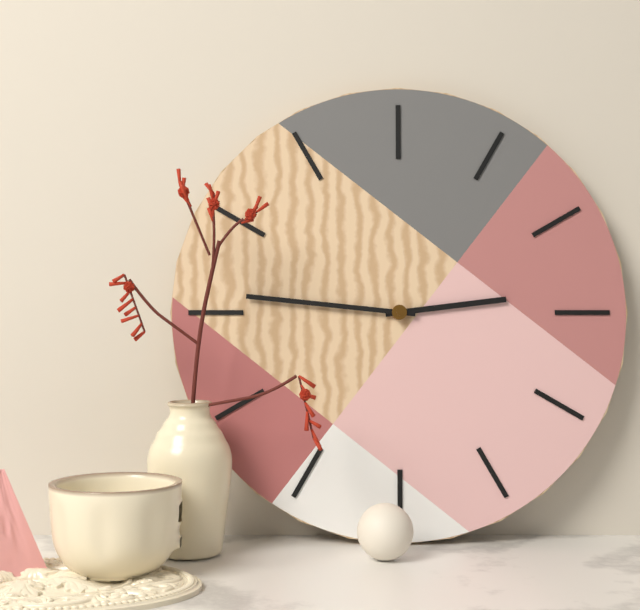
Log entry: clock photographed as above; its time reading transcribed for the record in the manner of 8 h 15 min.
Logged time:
2 h 46 min
